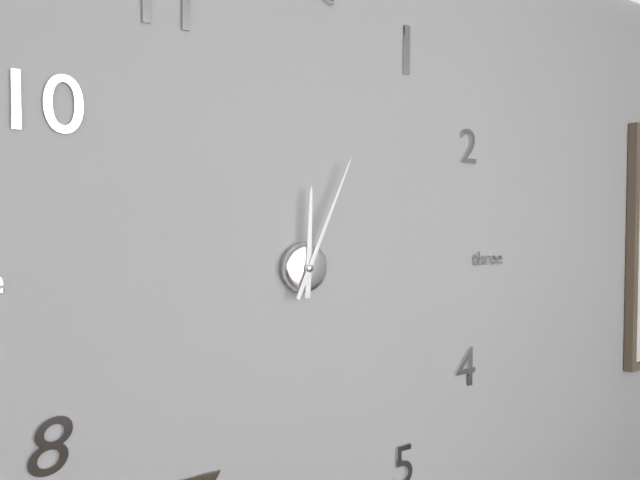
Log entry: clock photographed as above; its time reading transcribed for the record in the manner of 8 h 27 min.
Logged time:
12 h 04 min
